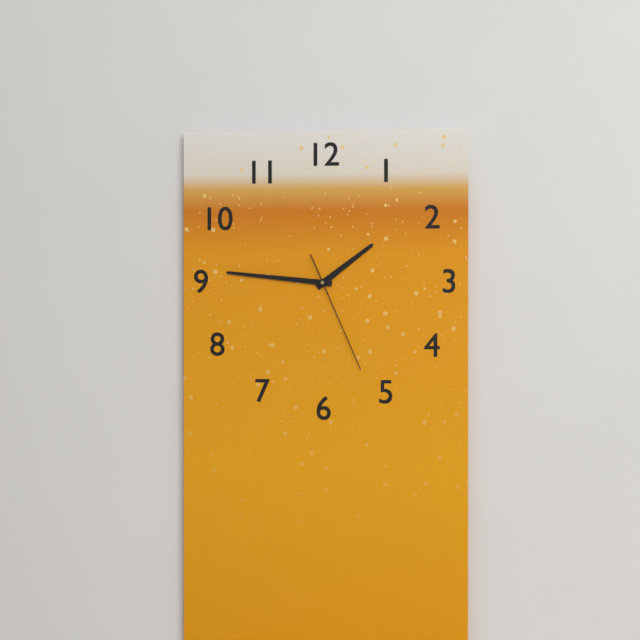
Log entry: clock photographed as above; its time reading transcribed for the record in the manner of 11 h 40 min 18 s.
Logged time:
1 h 46 min 26 s
